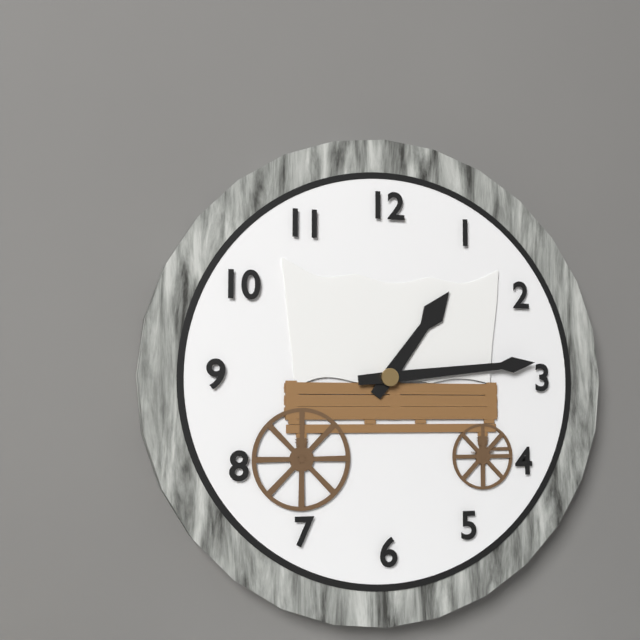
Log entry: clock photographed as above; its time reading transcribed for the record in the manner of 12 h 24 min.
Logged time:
1 h 14 min
